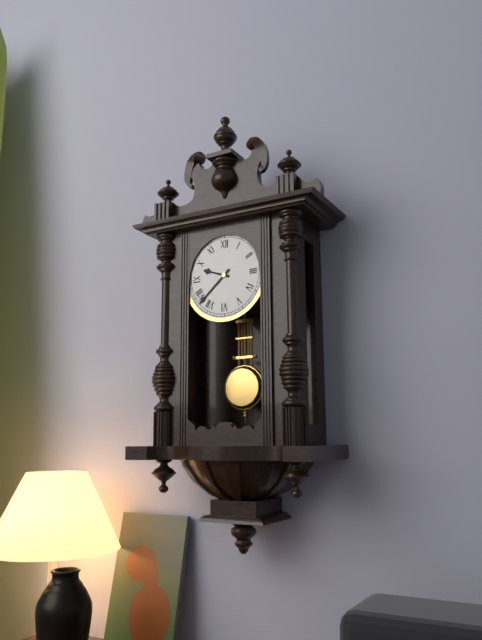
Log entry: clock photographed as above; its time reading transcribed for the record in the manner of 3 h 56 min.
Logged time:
9 h 38 min
